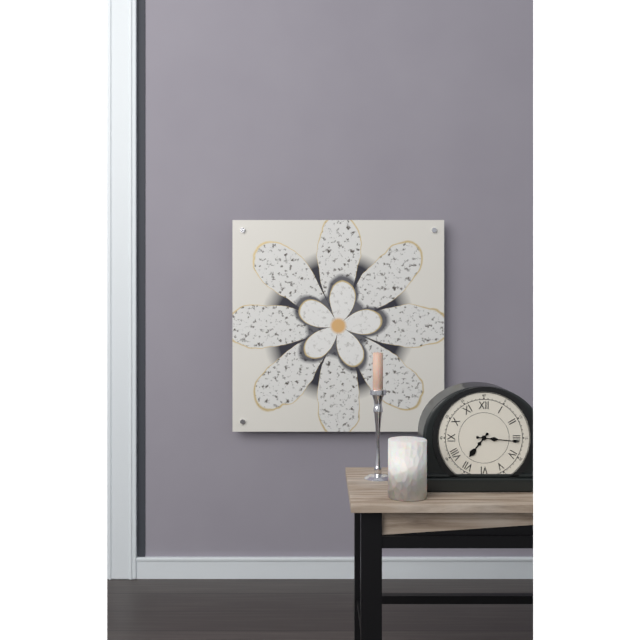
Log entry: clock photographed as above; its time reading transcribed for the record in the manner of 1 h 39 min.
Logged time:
7 h 16 min
